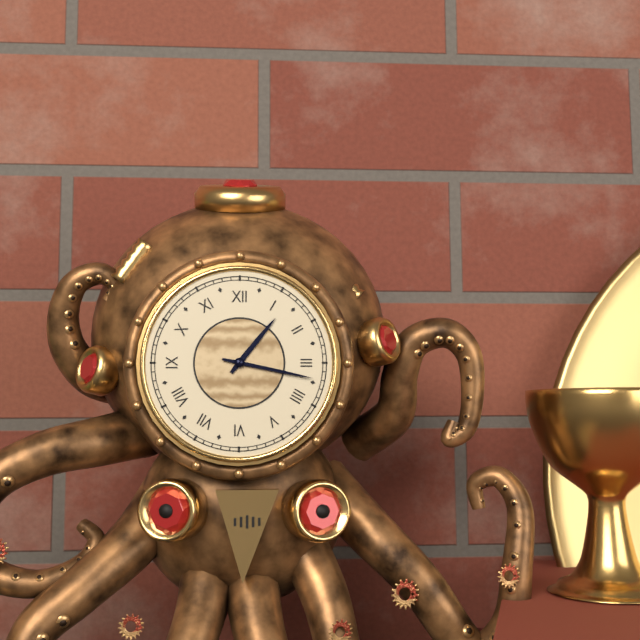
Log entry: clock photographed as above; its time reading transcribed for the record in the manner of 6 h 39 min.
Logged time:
1 h 17 min
